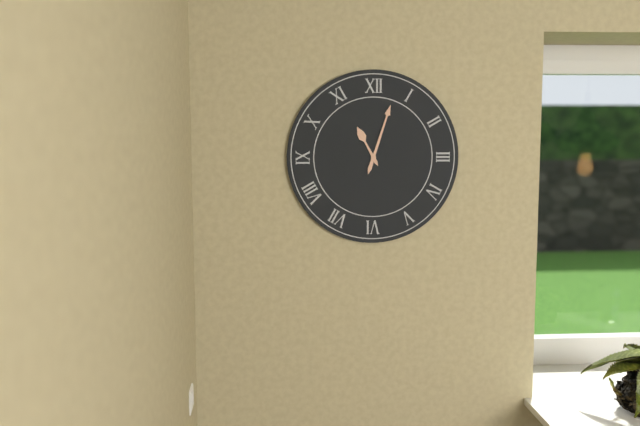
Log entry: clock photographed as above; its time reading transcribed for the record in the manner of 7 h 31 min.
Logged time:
11 h 03 min
